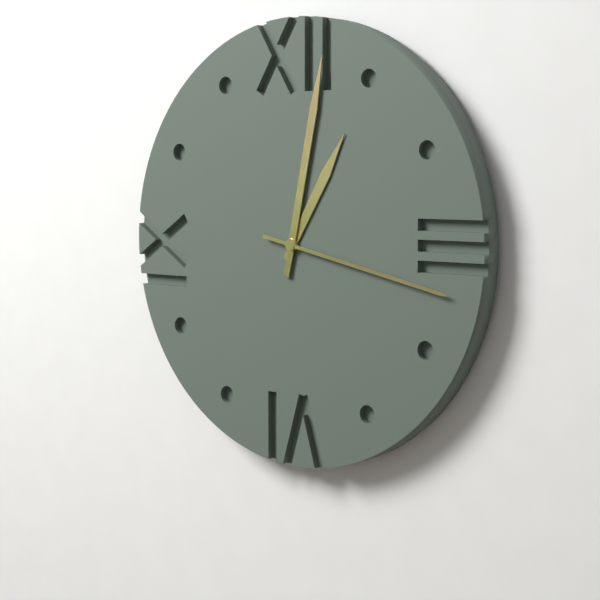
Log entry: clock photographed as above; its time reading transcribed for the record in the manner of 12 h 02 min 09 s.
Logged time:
1 h 02 min 17 s
